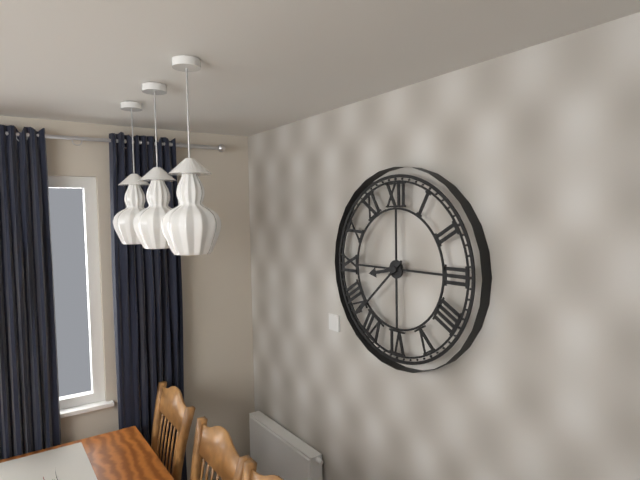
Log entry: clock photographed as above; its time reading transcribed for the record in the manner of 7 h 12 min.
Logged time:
8 h 38 min
